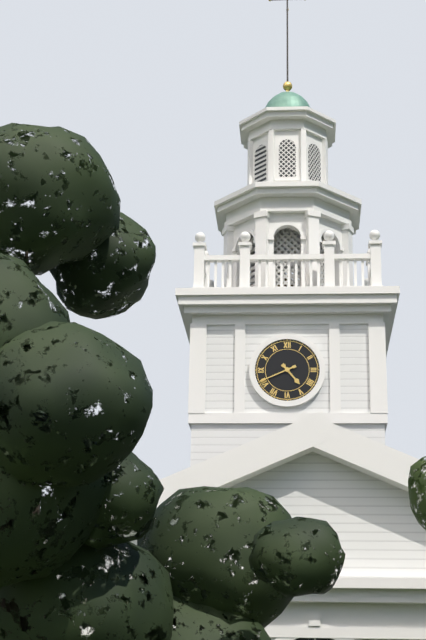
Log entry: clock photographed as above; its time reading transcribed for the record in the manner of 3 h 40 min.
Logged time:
4 h 41 min
